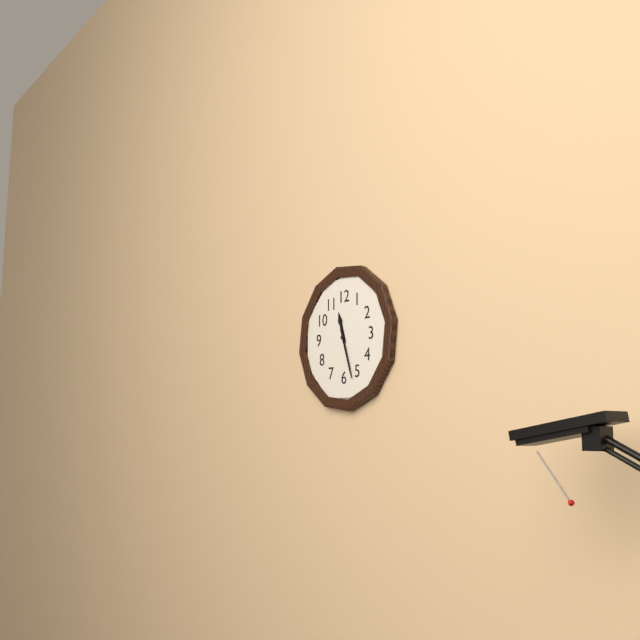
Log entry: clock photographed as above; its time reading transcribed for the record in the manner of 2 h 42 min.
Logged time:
11 h 27 min
